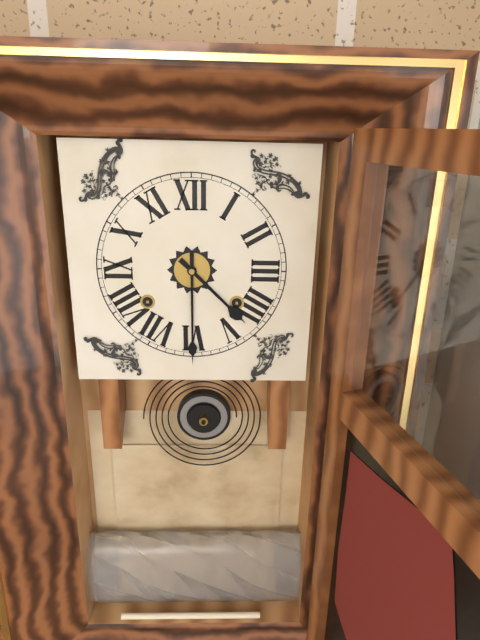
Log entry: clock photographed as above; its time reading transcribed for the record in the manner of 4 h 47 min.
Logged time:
4 h 30 min
